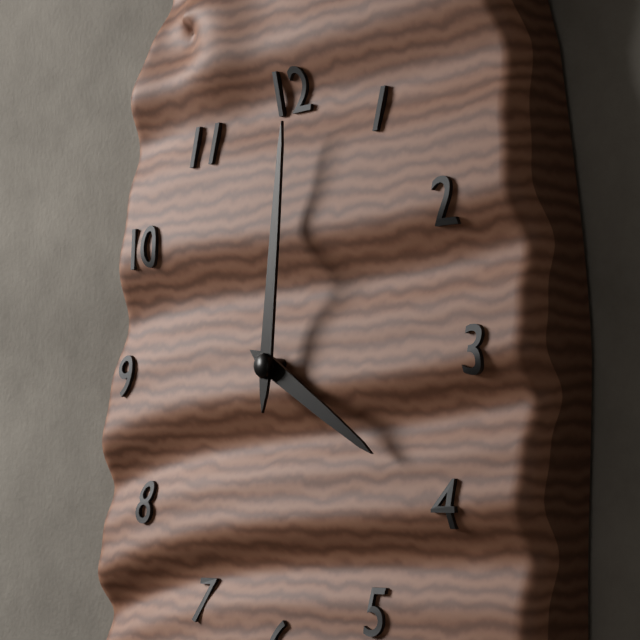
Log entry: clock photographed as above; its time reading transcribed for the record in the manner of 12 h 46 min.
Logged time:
4 h 01 min
